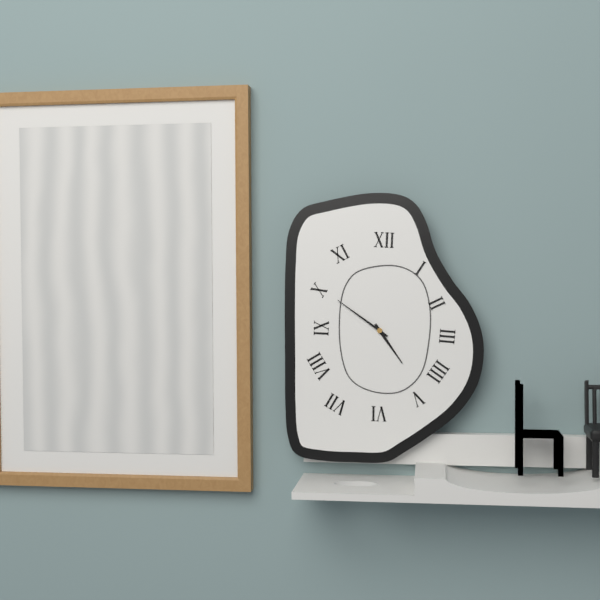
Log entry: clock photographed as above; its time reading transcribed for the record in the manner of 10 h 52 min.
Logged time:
4 h 51 min
